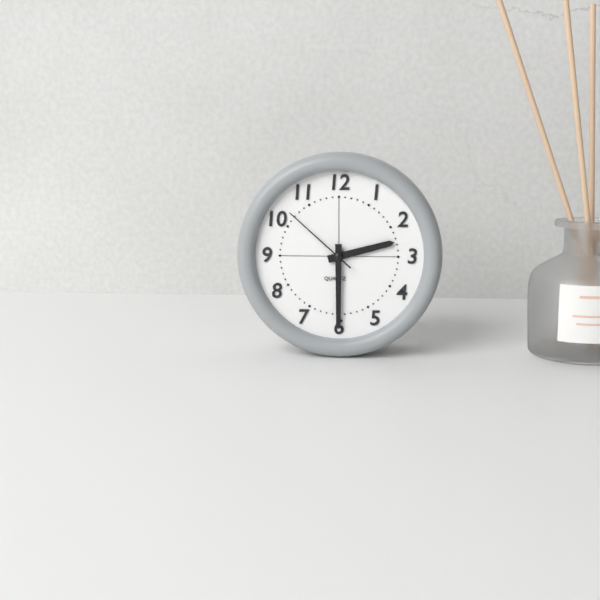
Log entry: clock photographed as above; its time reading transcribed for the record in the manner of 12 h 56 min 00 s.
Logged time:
2 h 30 min 52 s
